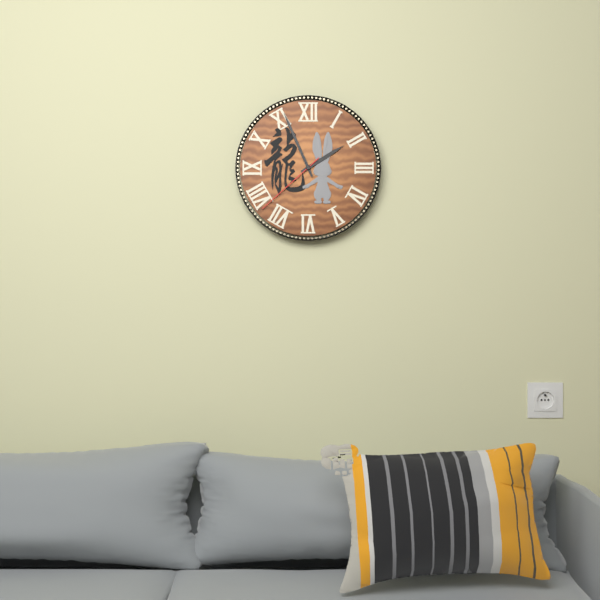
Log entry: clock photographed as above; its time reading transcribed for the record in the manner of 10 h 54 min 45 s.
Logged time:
1 h 56 min 38 s
